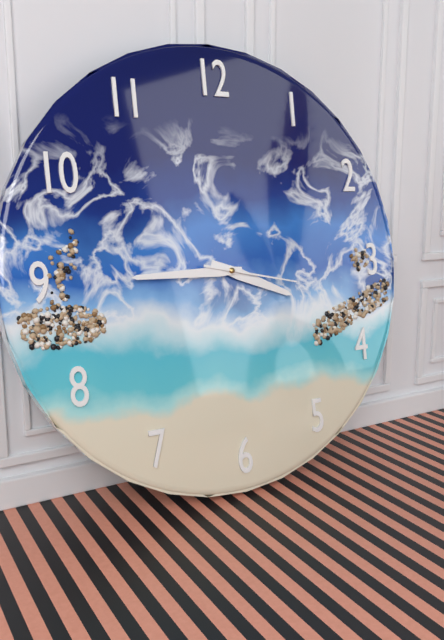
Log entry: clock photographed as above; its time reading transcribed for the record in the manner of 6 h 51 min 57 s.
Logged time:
3 h 45 min 17 s
